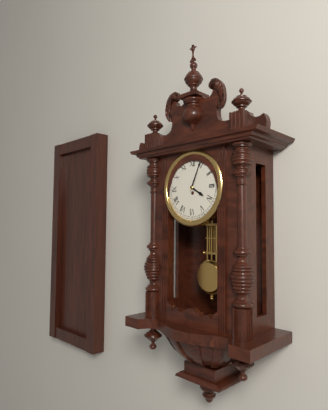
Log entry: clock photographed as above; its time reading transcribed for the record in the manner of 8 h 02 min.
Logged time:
4 h 04 min
